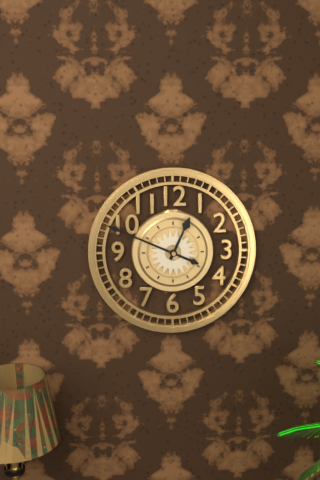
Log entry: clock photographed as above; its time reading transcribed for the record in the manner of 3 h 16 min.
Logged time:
12 h 49 min
